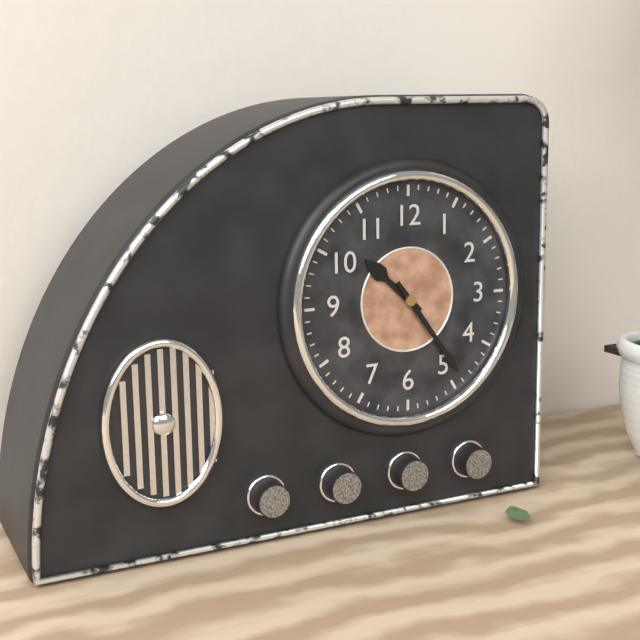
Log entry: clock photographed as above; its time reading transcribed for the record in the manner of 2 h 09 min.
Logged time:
10 h 24 min
